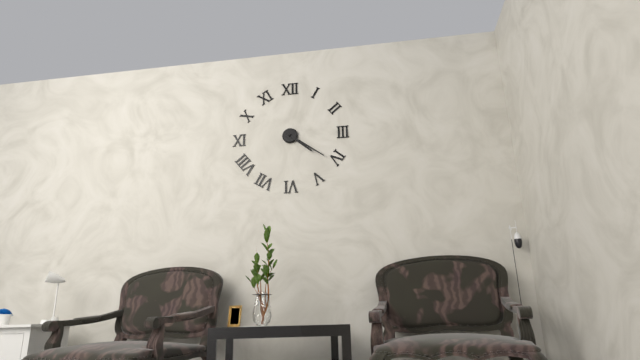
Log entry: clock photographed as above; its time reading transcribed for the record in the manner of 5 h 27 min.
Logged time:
4 h 21 min
